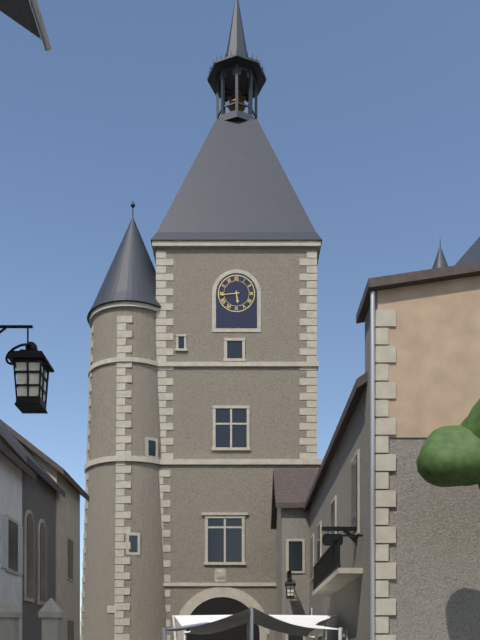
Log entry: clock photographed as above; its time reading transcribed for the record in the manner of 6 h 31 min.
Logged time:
5 h 44 min
